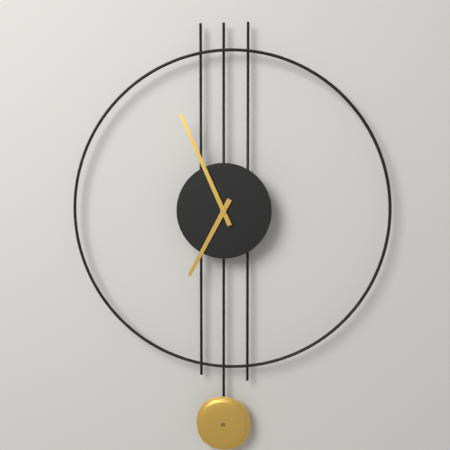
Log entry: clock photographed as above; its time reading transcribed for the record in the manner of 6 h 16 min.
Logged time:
6 h 56 min
